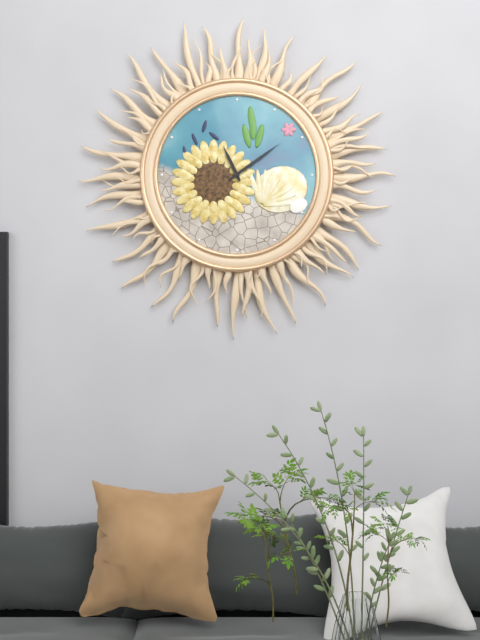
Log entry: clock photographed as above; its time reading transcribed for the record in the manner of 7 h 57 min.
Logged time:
11 h 09 min
